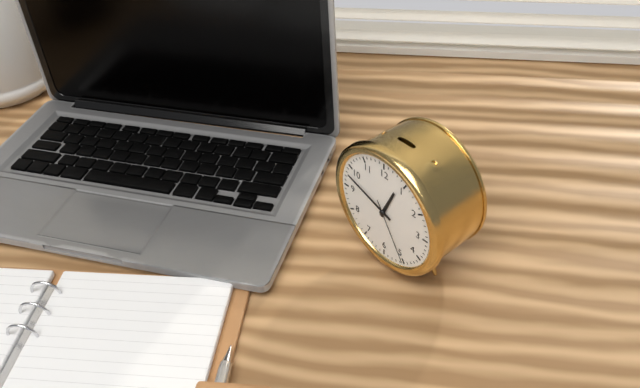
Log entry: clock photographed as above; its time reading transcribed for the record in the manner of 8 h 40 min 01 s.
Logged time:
12 h 48 min 25 s
